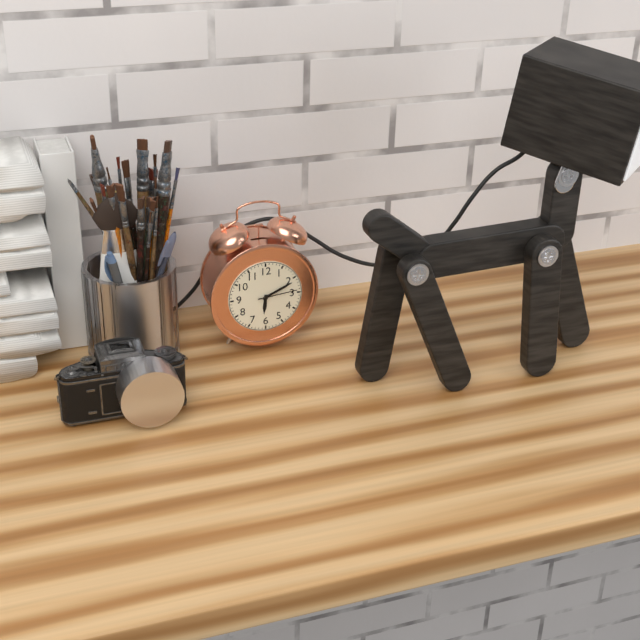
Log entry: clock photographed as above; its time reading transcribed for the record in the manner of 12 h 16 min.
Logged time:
6 h 11 min
